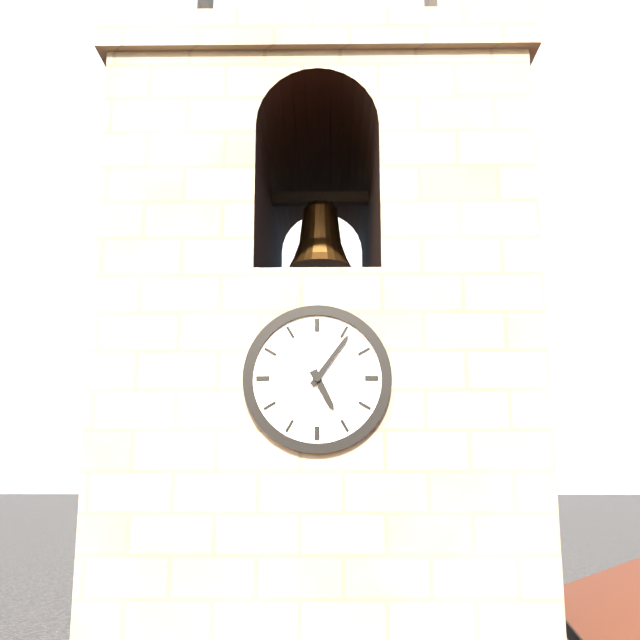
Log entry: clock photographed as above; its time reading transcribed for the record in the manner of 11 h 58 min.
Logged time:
5 h 06 min
